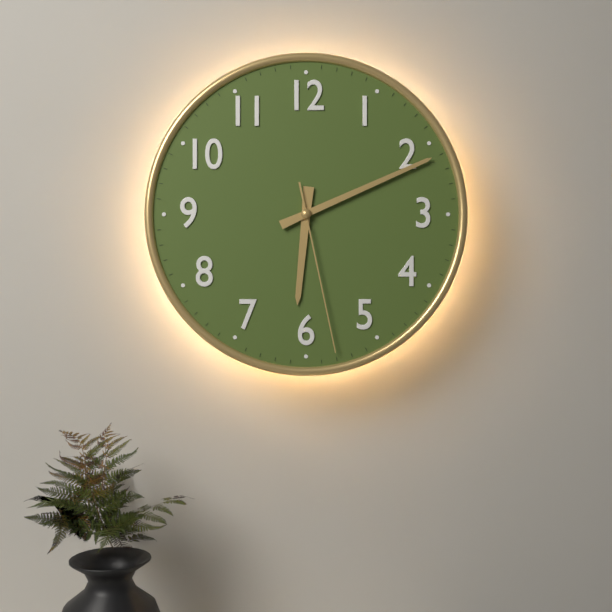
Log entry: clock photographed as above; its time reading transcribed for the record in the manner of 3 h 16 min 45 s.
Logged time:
6 h 11 min 28 s
